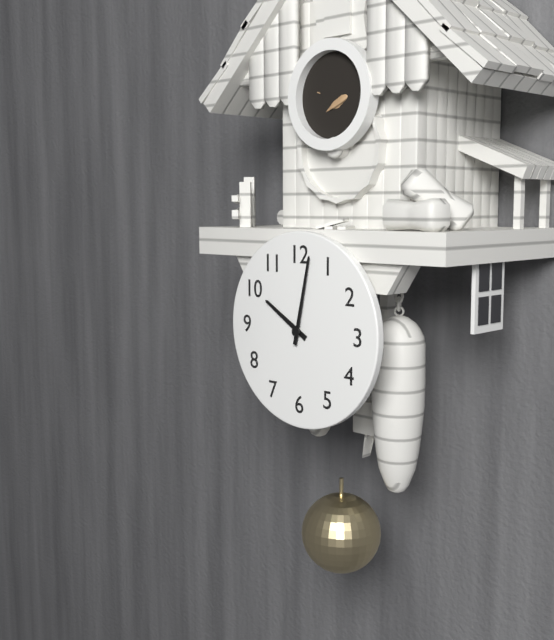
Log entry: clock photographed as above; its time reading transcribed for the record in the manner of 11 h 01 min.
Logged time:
10 h 02 min
